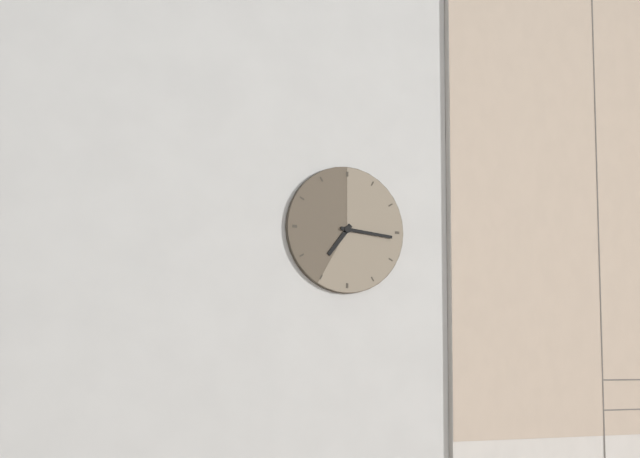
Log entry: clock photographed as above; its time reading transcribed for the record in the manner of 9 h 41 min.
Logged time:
7 h 16 min
